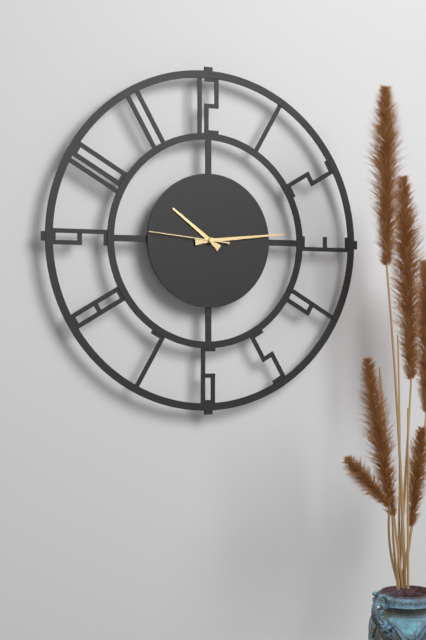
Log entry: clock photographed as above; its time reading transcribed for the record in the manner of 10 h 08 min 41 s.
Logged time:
10 h 14 min 46 s
